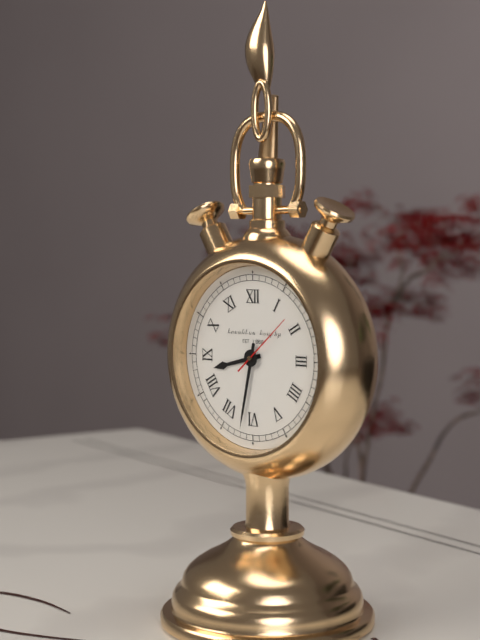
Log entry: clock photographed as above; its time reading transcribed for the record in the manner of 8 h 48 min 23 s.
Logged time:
8 h 32 min 08 s
